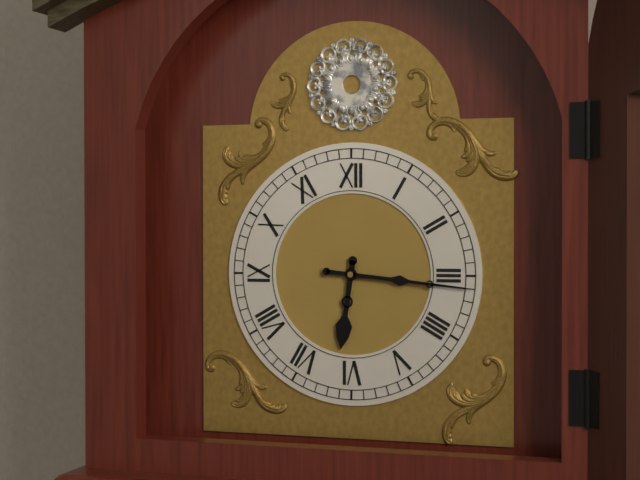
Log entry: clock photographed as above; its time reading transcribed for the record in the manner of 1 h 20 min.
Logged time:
6 h 16 min
